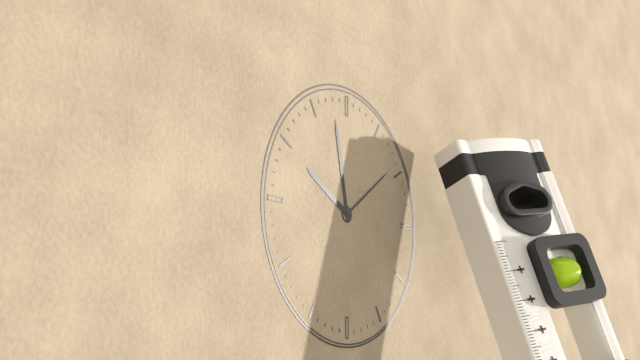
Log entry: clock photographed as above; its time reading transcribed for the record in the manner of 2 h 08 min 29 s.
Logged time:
9 h 58 min 09 s
